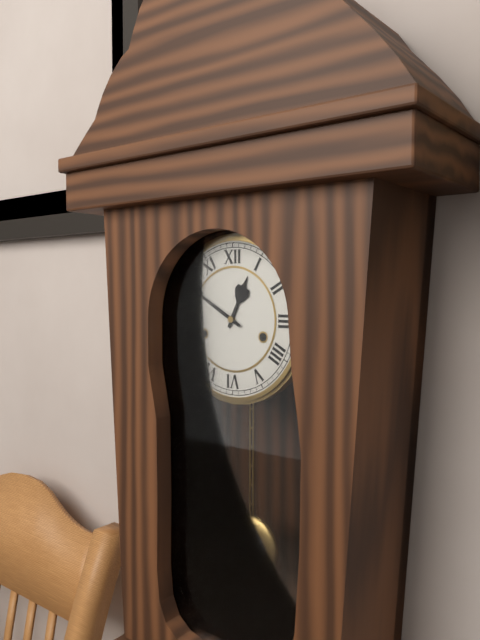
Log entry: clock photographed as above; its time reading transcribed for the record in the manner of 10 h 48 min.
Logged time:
12 h 50 min
